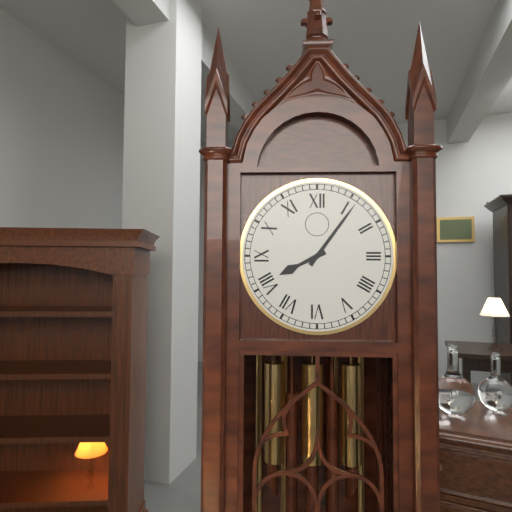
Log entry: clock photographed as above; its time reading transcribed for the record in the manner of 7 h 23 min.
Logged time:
8 h 06 min
